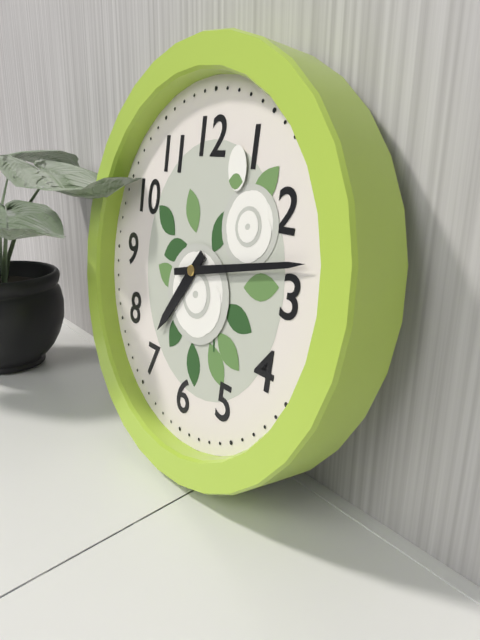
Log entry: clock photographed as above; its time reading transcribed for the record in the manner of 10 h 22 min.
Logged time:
7 h 13 min
